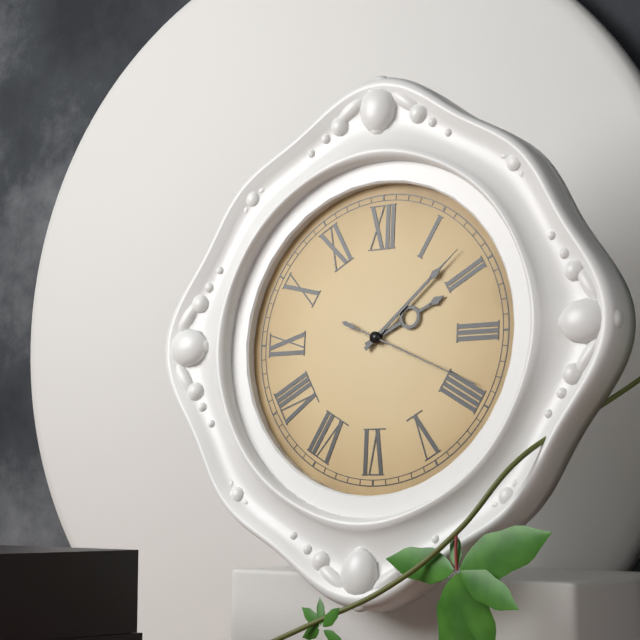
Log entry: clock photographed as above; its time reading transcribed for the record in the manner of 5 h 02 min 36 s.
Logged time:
2 h 08 min 19 s
